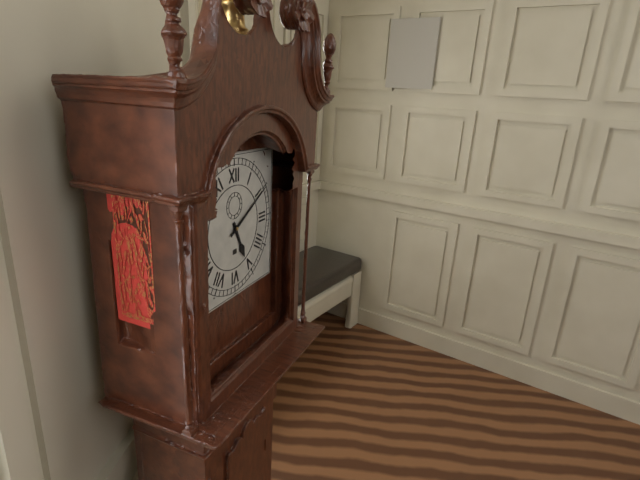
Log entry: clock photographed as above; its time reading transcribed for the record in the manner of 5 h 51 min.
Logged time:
5 h 10 min
